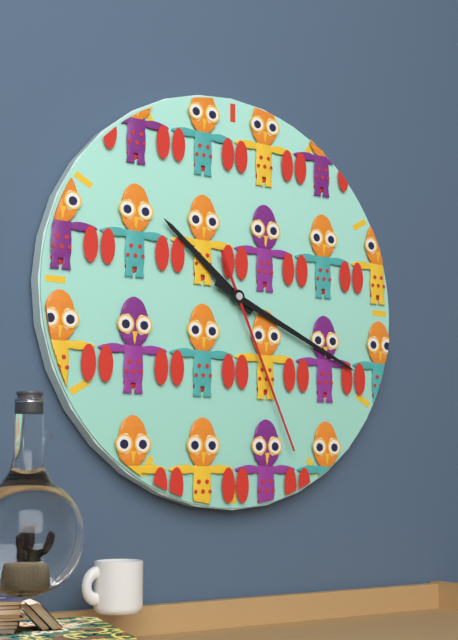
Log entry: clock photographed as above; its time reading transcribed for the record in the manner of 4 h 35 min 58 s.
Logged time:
10 h 19 min 26 s
